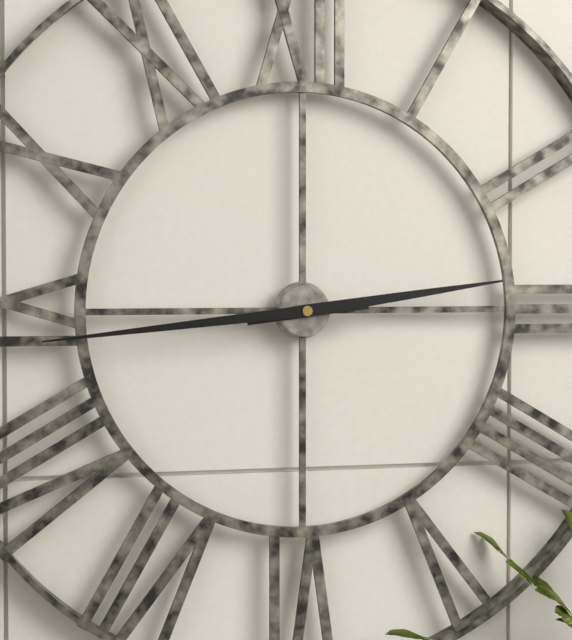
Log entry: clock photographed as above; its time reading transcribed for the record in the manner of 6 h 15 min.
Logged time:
2 h 44 min
